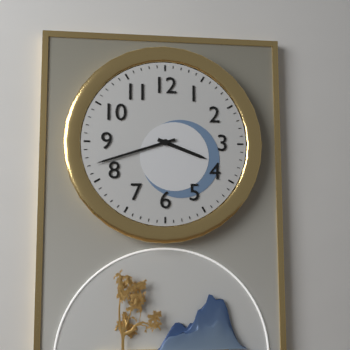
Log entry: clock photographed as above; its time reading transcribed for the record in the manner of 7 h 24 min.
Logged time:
3 h 42 min
